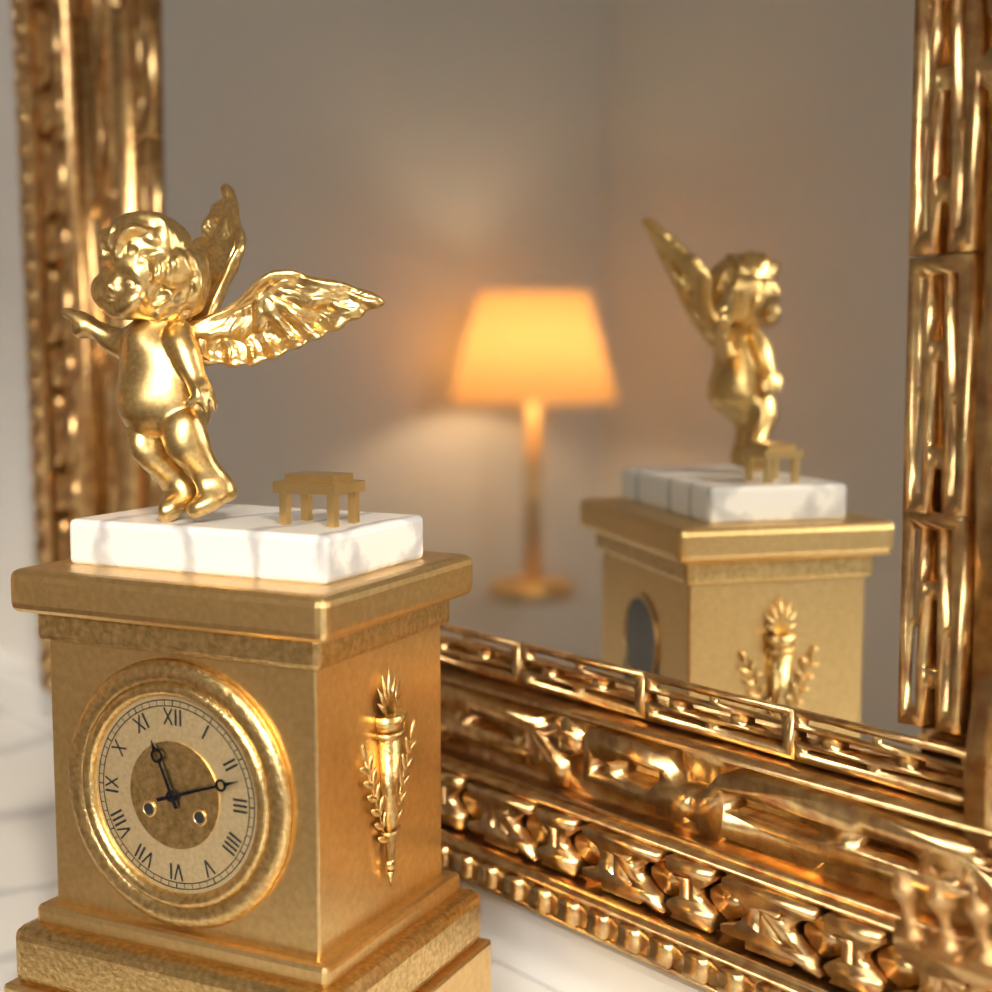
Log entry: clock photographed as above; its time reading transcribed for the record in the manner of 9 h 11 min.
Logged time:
11 h 12 min
